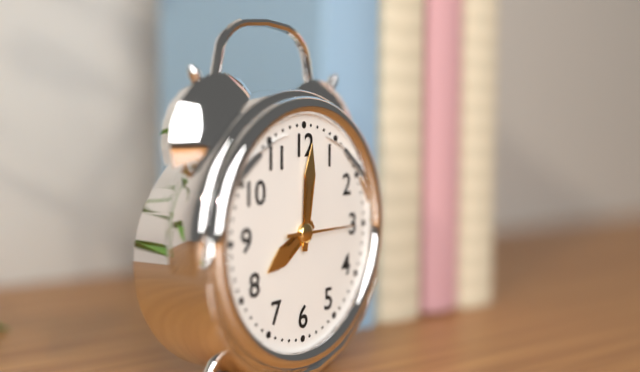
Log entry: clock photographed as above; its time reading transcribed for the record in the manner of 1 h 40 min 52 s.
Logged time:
8 h 01 min 15 s
